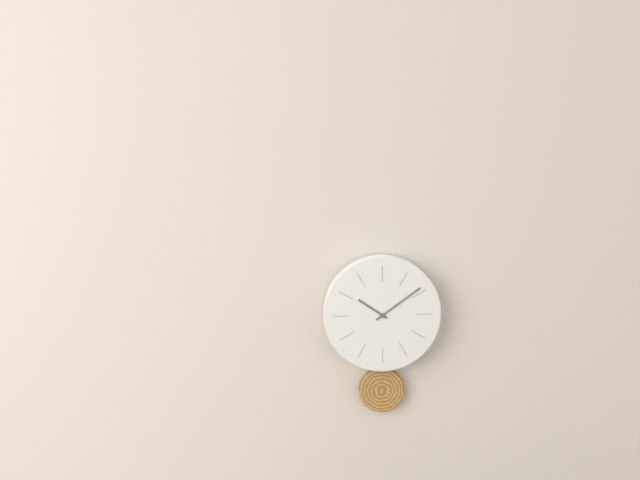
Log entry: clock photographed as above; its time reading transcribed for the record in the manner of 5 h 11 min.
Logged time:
10 h 09 min
